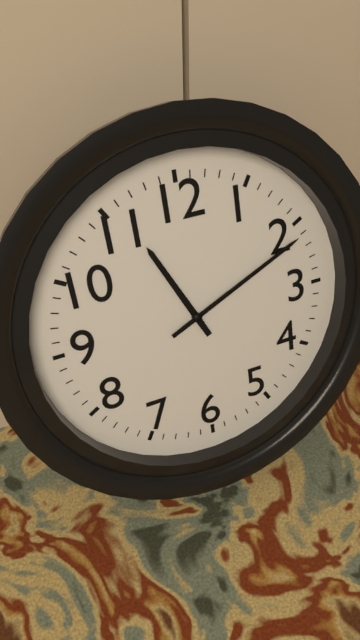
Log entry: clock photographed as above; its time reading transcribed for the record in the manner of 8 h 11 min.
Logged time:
11 h 11 min
